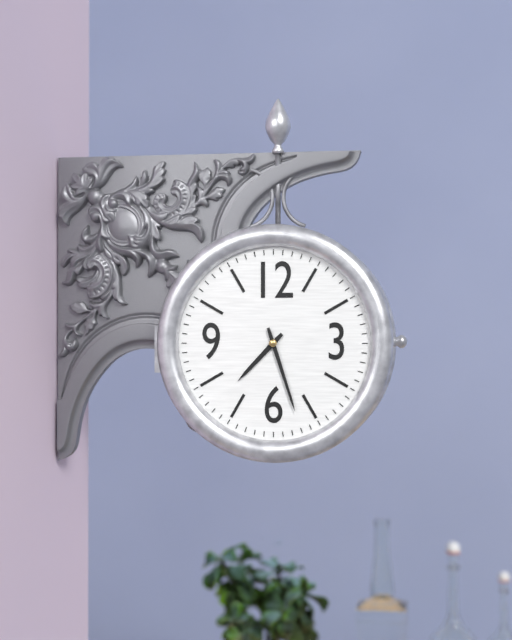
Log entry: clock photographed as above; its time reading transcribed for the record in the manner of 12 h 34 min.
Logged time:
7 h 27 min
